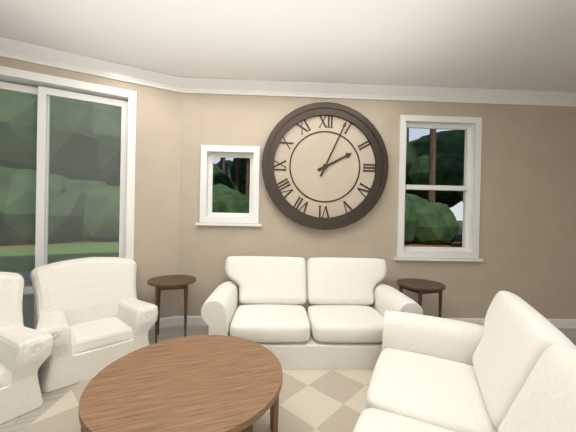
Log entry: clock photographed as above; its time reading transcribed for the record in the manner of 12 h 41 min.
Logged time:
2 h 04 min
